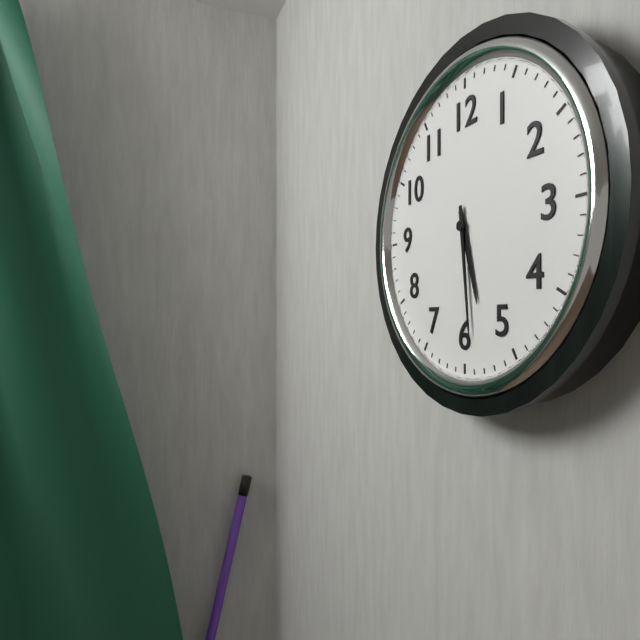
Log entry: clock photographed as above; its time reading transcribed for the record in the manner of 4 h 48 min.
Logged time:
5 h 29 min
